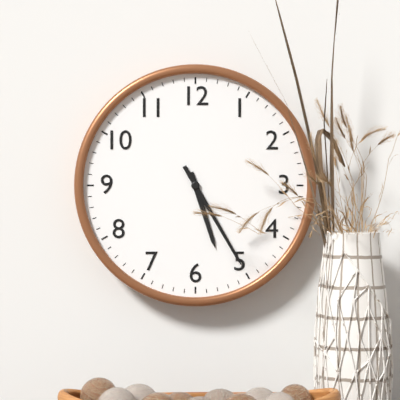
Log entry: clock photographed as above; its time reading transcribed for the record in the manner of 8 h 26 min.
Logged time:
5 h 25 min
